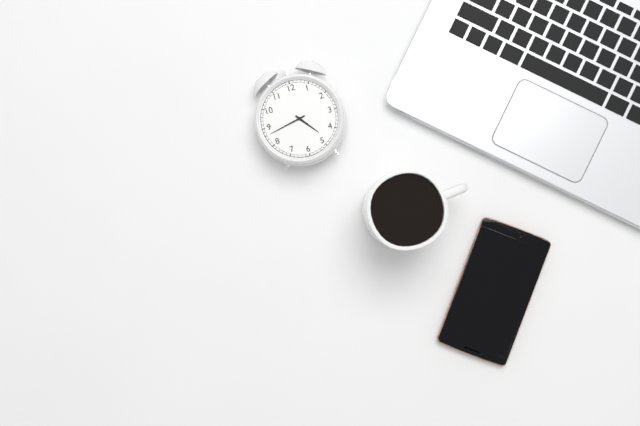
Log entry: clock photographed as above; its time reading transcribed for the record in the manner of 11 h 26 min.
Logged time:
4 h 43 min
